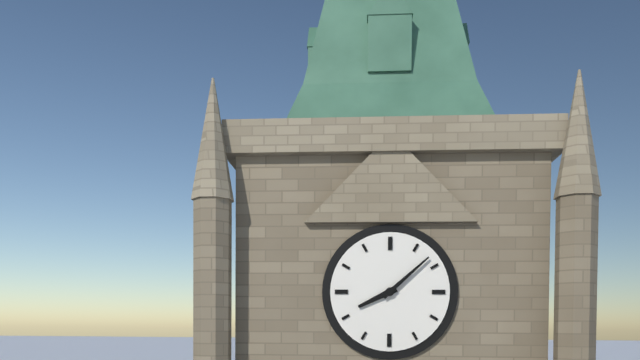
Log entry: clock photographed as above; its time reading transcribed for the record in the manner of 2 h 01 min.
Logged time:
8 h 08 min
